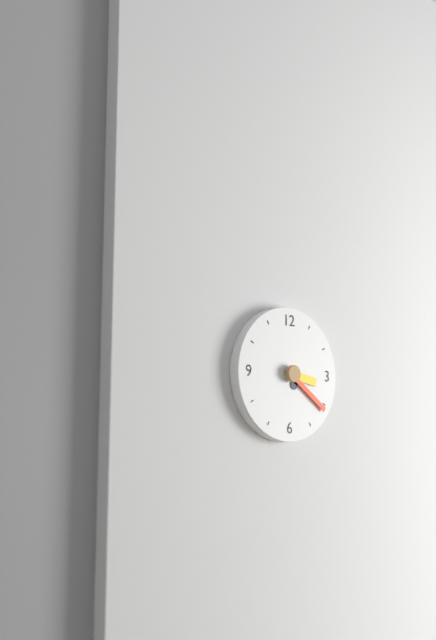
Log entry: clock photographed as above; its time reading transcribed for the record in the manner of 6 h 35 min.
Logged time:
3 h 21 min
